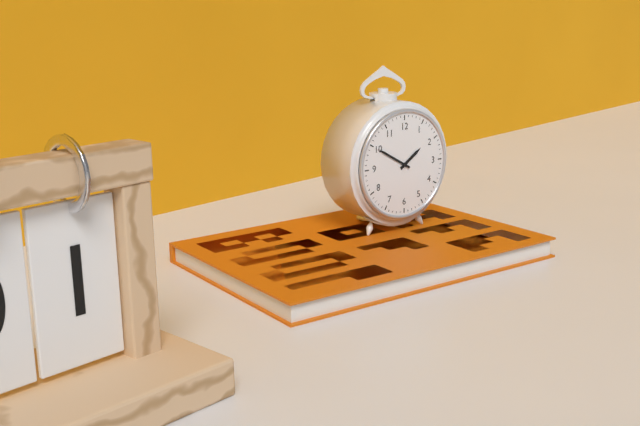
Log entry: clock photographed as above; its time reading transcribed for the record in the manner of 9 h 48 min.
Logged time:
1 h 50 min
